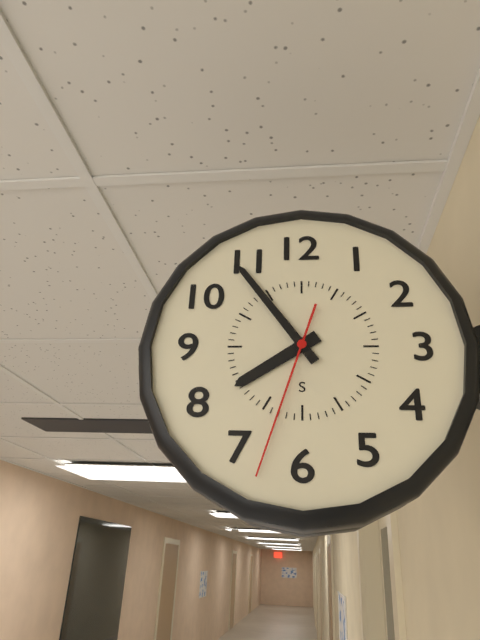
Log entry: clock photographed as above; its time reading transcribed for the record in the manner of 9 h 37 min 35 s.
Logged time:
7 h 54 min 33 s
